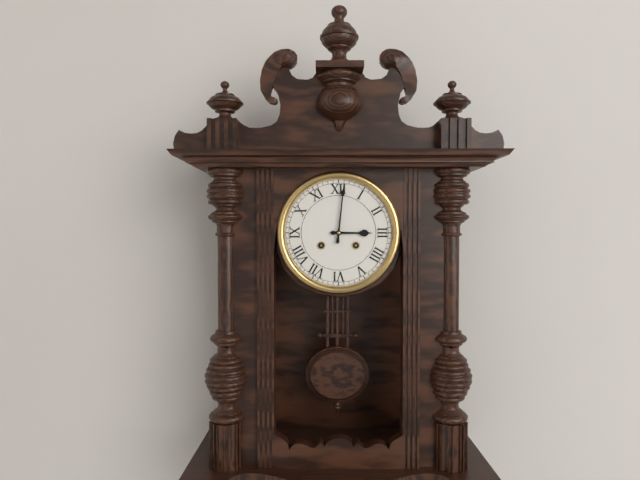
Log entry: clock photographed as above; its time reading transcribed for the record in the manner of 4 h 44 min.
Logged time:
3 h 01 min
